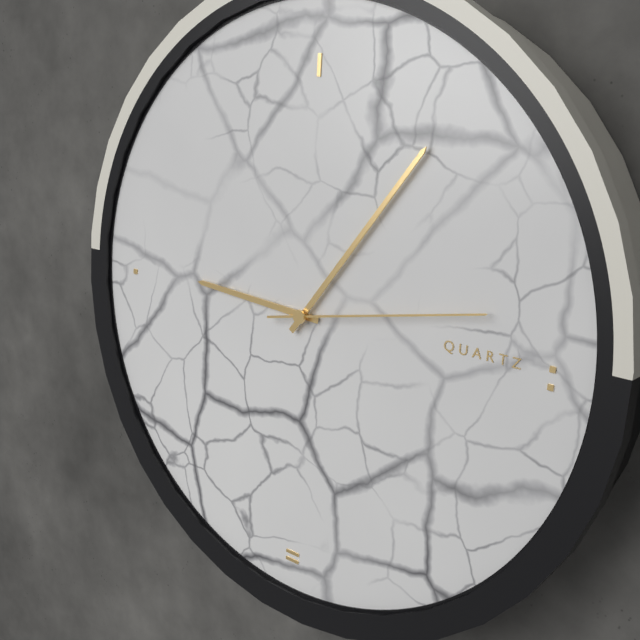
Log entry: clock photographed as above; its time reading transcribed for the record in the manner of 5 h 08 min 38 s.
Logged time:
9 h 06 min 13 s
